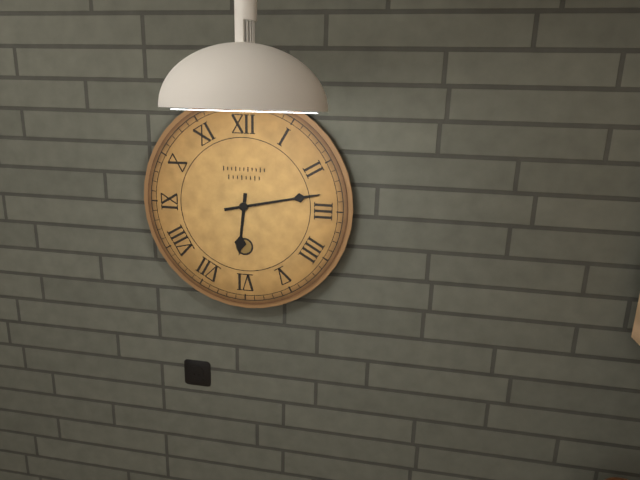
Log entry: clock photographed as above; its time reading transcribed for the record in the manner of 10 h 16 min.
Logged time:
6 h 13 min
